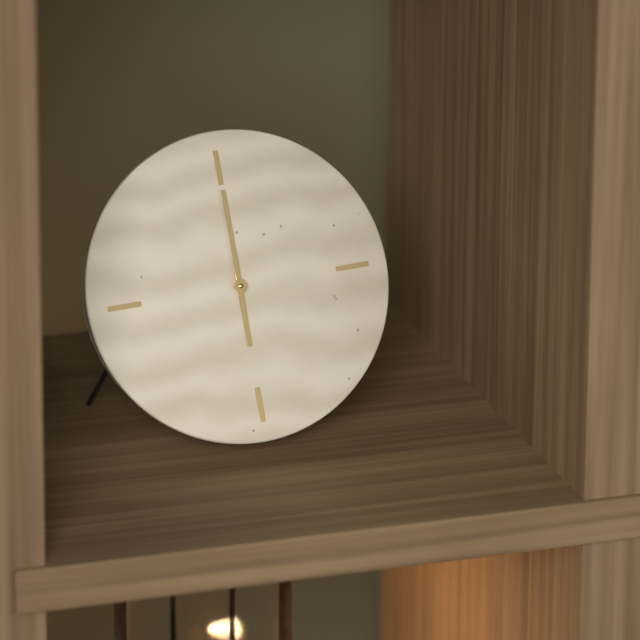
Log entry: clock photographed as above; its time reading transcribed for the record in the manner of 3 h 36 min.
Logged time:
6 h 00 min
